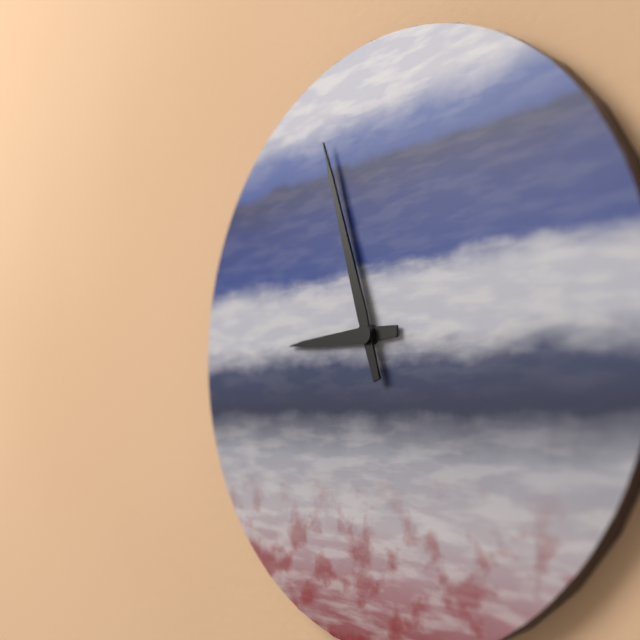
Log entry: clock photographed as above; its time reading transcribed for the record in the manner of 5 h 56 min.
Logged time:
8 h 57 min
